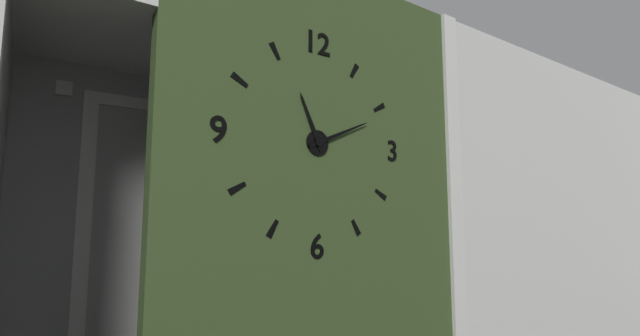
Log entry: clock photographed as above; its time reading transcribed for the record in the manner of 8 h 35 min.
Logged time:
11 h 11 min
